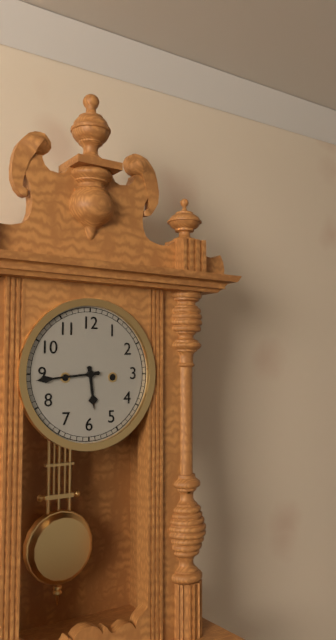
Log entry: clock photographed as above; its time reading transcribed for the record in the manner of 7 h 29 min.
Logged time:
5 h 44 min
